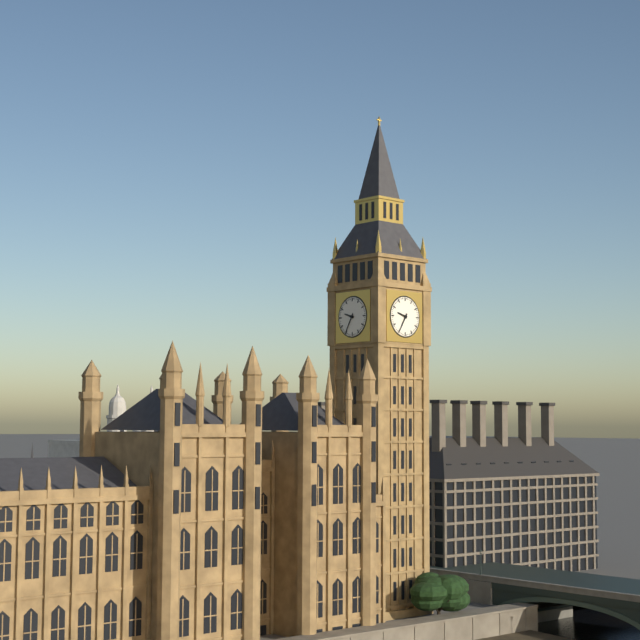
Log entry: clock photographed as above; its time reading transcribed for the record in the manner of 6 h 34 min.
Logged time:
9 h 35 min
